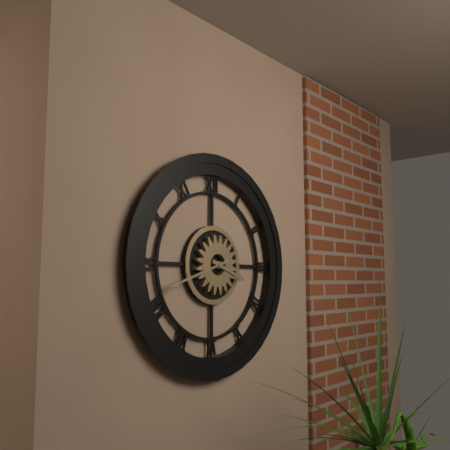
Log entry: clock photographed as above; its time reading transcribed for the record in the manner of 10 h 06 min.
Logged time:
3 h 42 min
